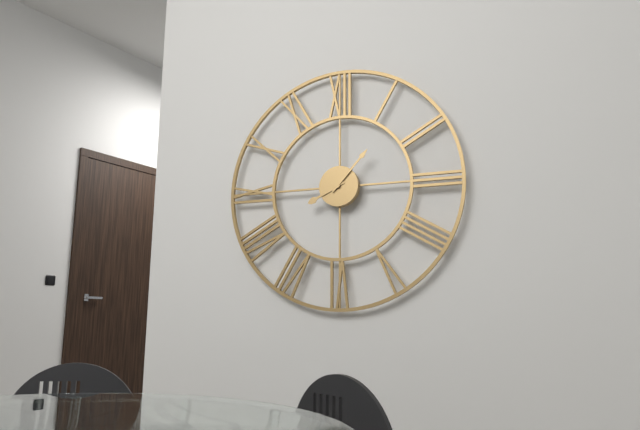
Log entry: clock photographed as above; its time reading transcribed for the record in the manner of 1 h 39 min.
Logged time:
8 h 07 min
